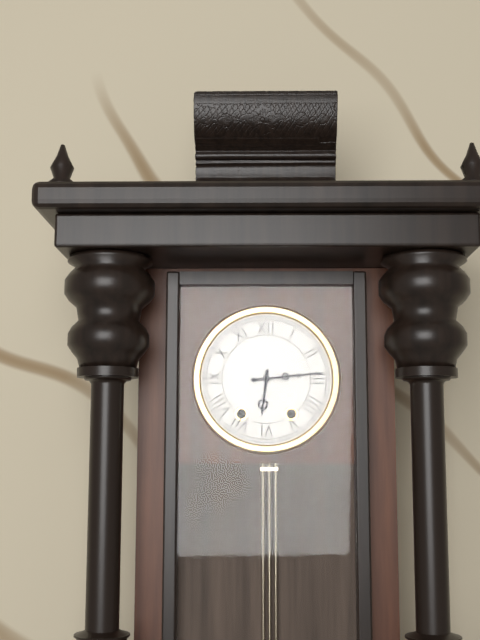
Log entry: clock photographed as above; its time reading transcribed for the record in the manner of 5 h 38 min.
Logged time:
6 h 14 min
